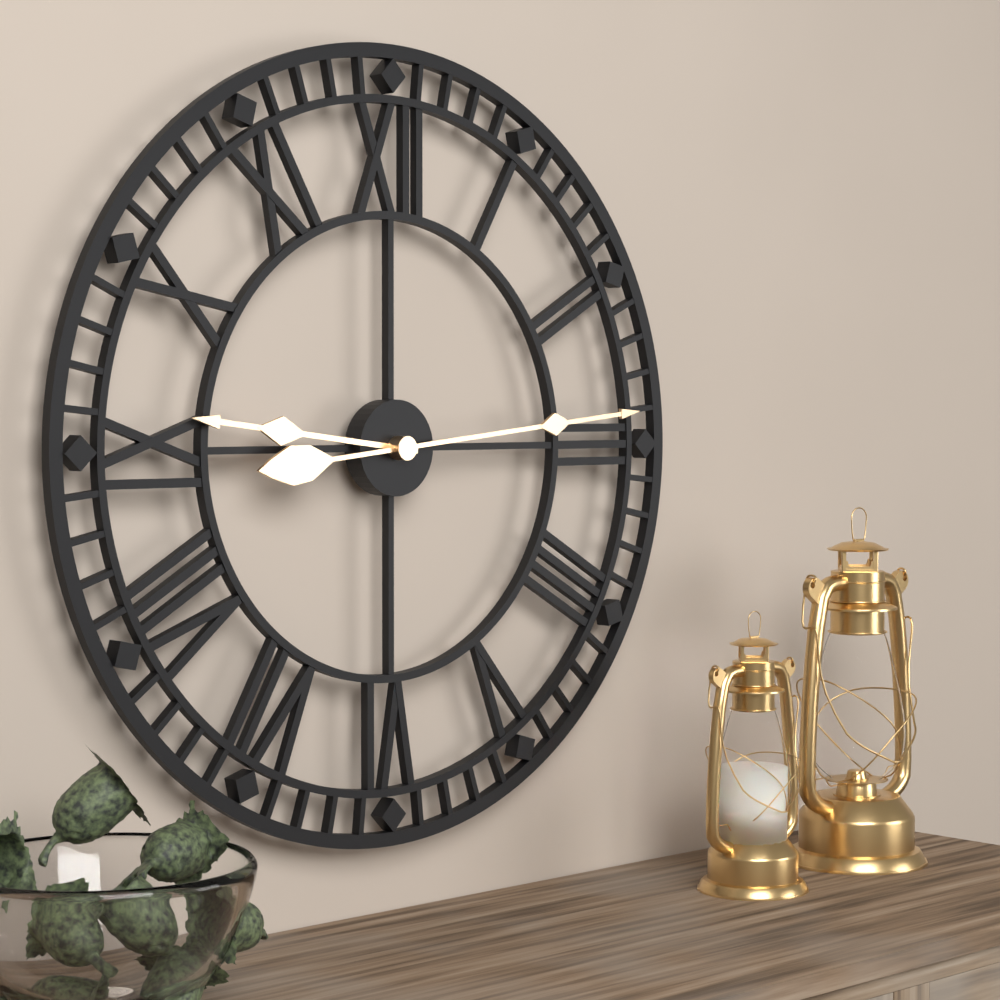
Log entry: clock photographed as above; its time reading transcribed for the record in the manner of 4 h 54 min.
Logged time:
9 h 14 min
